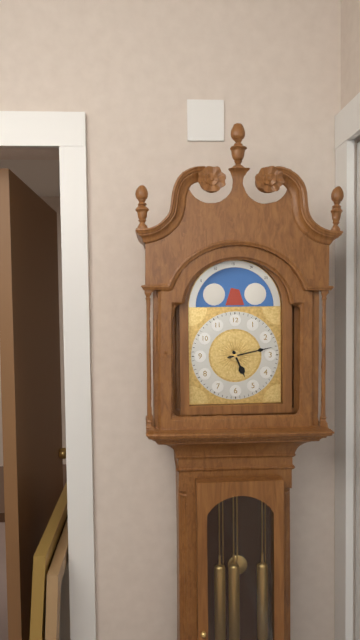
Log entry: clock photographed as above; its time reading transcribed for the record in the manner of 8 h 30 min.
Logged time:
5 h 13 min
